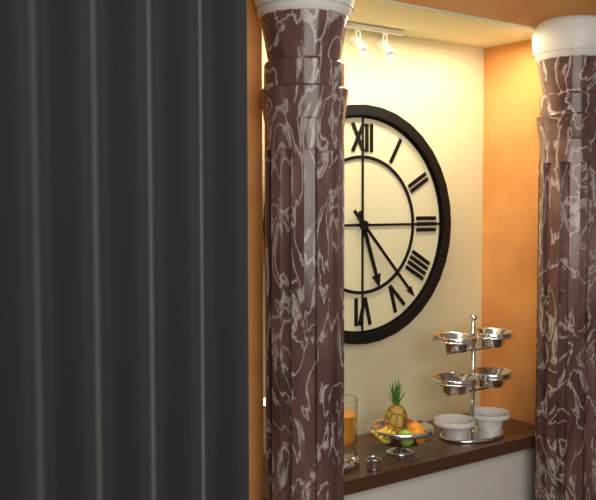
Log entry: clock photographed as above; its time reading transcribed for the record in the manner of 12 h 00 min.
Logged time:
5 h 23 min
